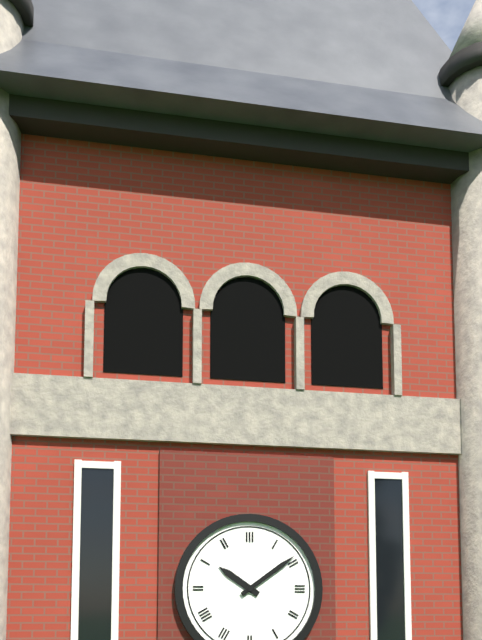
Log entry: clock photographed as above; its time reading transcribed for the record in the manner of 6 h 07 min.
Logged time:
10 h 09 min
